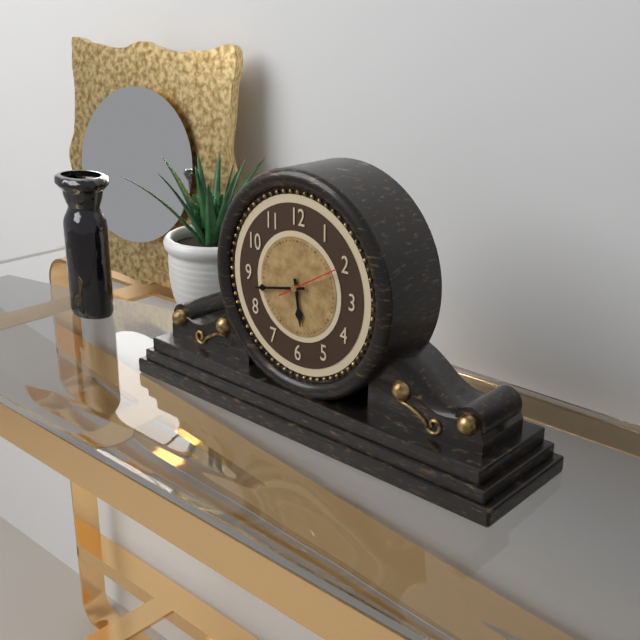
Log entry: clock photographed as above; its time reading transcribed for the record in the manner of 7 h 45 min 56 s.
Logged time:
5 h 43 min 10 s
